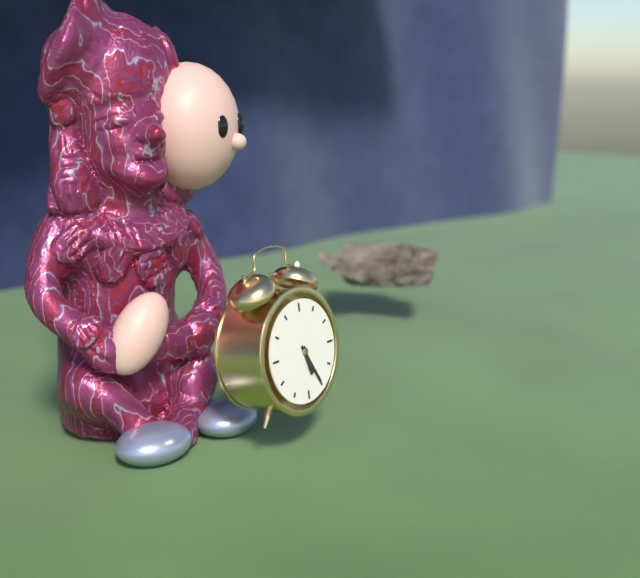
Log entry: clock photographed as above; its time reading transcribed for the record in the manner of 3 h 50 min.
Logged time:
5 h 25 min
